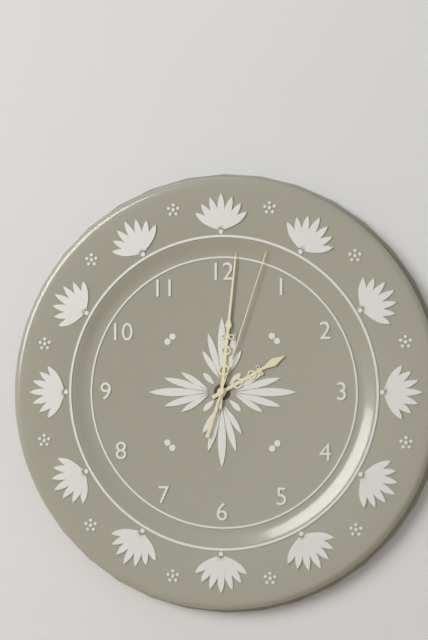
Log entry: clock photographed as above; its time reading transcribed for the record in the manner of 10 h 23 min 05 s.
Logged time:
2 h 01 min 03 s
